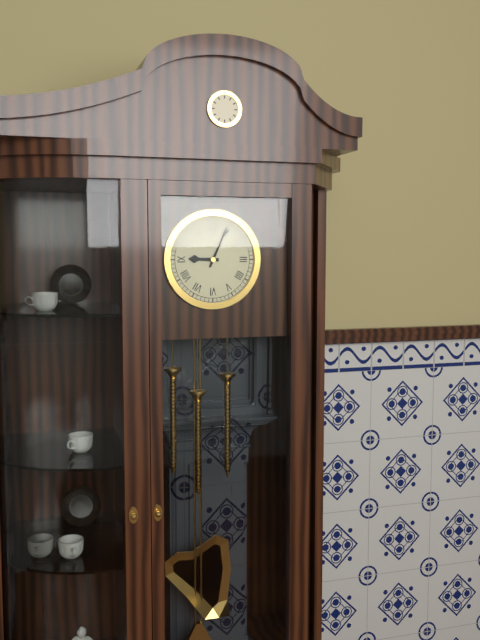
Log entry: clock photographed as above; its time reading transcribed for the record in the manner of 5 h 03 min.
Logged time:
9 h 04 min
